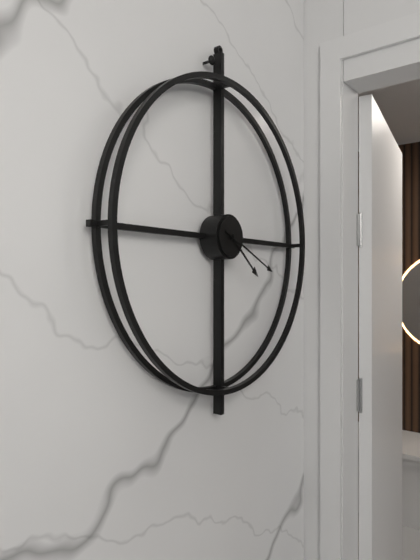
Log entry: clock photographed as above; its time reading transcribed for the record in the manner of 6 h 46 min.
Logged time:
4 h 19 min
